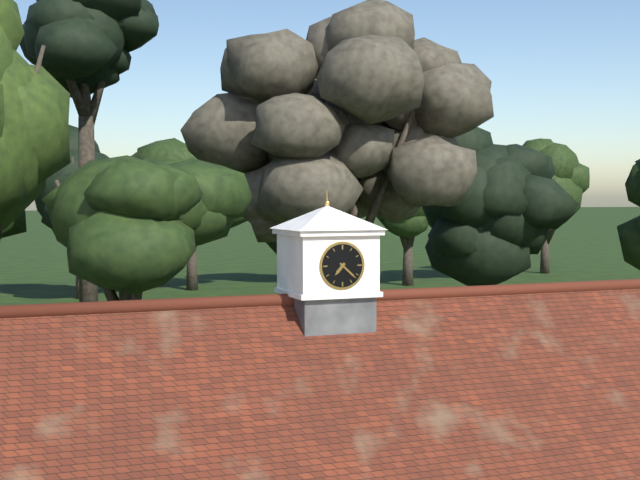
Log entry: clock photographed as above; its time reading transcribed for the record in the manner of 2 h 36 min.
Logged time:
7 h 22 min
